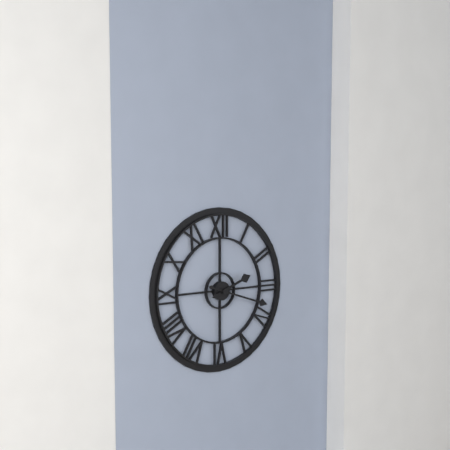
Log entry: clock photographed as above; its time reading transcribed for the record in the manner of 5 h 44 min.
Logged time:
2 h 18 min
